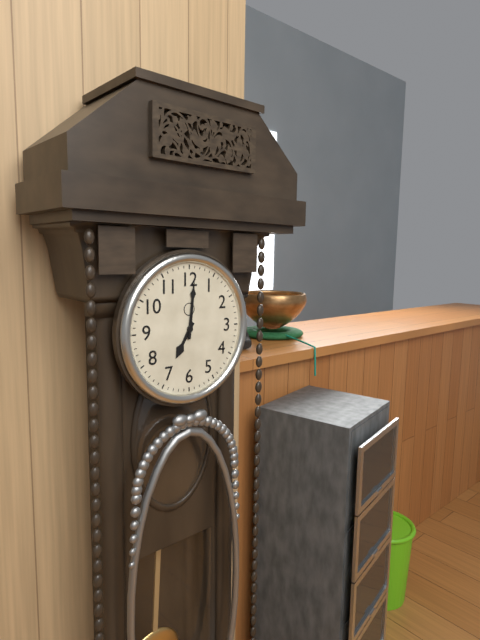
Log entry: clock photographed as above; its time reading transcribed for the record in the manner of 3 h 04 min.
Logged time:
7 h 01 min
